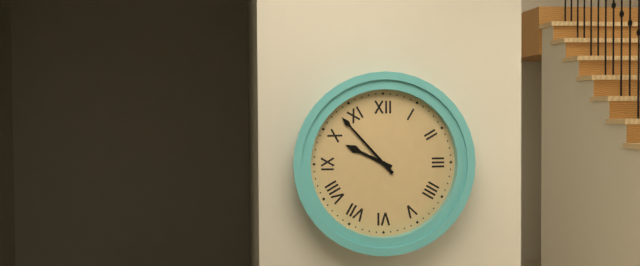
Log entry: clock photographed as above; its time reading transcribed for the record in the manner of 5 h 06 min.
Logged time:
9 h 53 min
